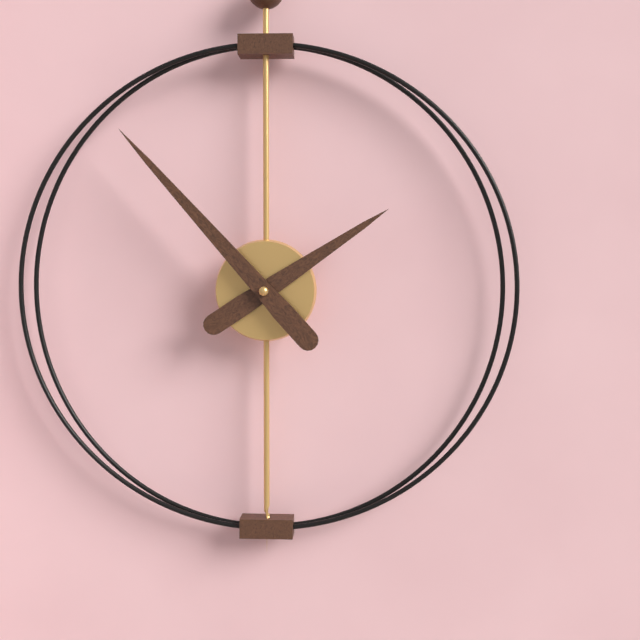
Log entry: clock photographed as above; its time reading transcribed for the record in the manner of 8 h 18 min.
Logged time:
1 h 53 min
